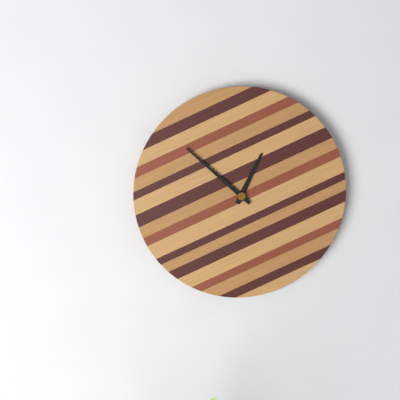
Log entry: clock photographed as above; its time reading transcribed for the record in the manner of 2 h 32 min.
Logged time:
12 h 52 min
